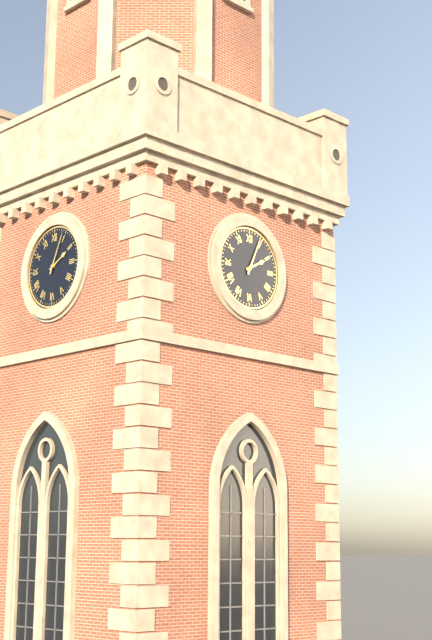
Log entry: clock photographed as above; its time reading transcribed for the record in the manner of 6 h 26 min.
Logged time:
2 h 04 min
